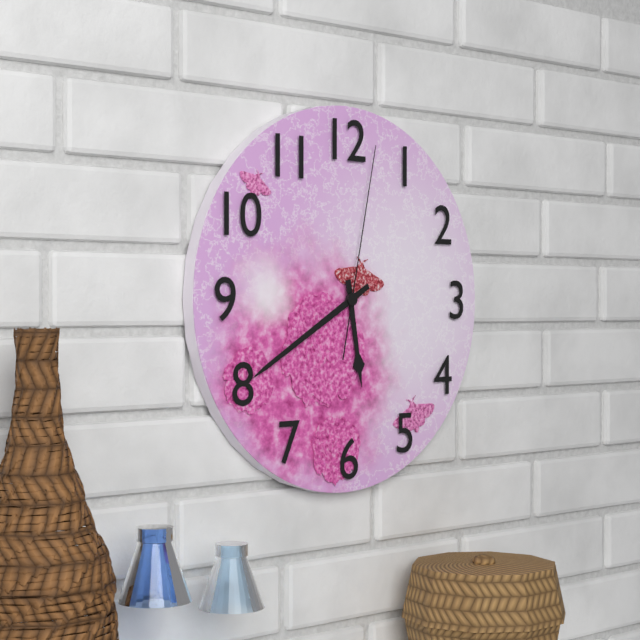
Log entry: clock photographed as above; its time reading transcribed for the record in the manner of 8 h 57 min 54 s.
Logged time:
5 h 40 min 02 s
